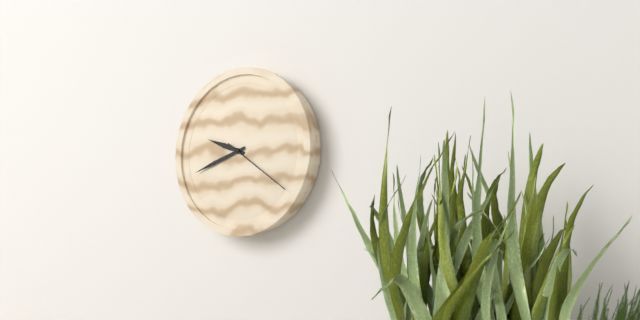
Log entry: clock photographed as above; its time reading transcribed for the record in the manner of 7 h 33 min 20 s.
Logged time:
9 h 42 min 21 s
